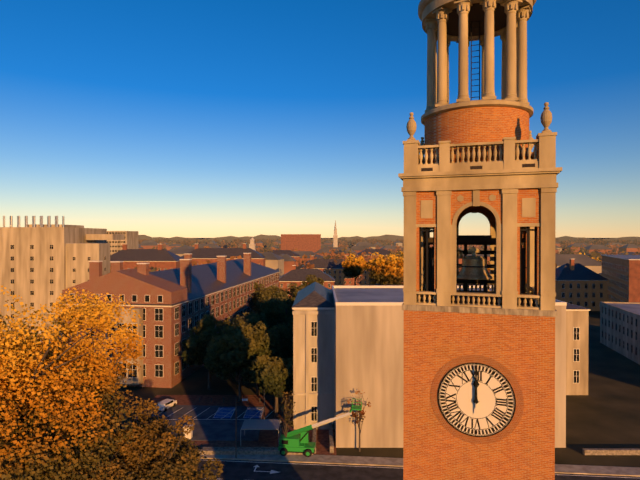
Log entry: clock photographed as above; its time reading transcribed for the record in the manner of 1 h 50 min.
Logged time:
12 h 00 min
